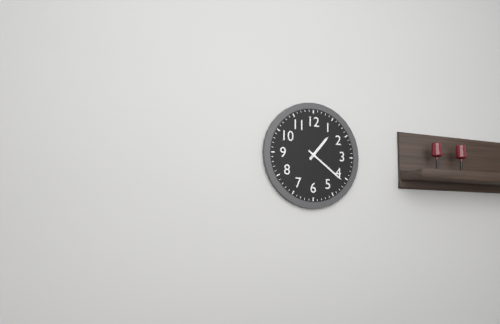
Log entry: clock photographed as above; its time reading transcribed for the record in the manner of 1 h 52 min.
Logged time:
1 h 21 min
